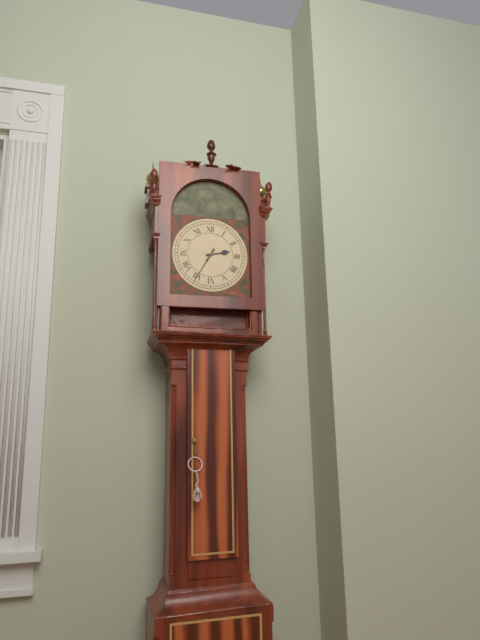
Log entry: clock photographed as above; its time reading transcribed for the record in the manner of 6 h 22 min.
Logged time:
2 h 35 min
